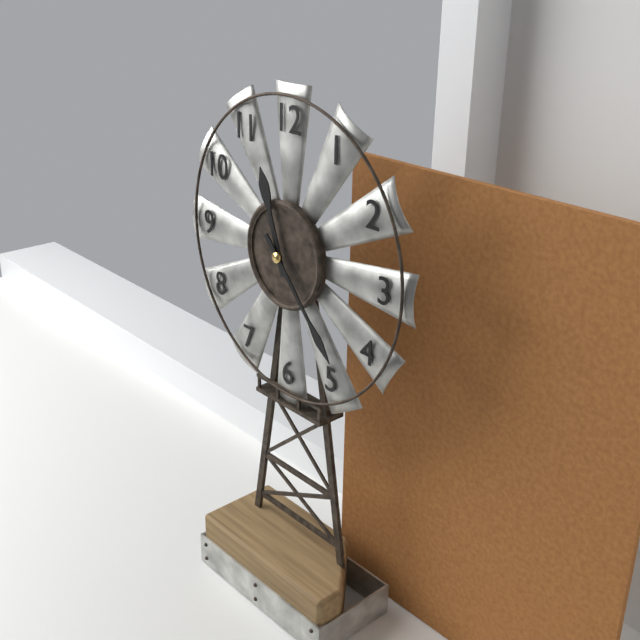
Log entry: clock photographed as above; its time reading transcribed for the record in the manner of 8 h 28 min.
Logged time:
11 h 23 min
